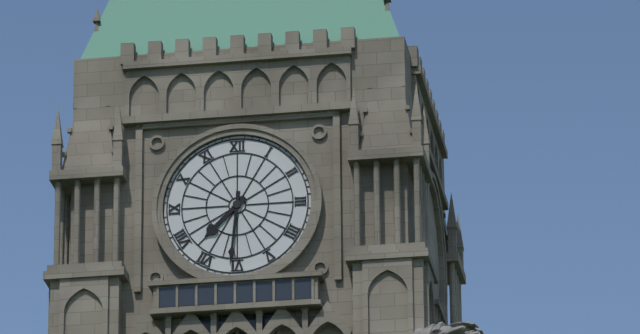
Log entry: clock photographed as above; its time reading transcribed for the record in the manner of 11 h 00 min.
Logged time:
7 h 31 min
